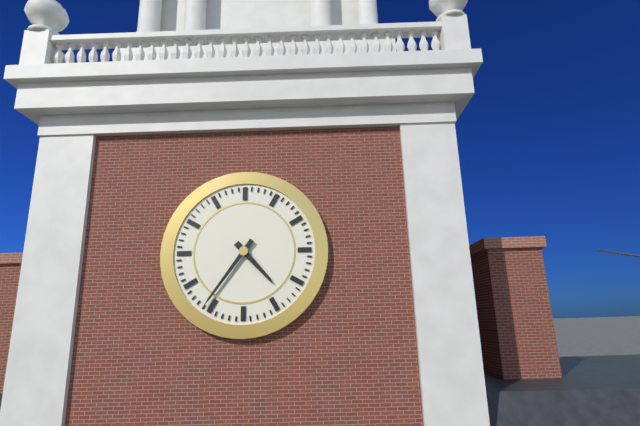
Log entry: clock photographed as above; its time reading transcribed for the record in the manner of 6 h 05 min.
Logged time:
4 h 36 min
